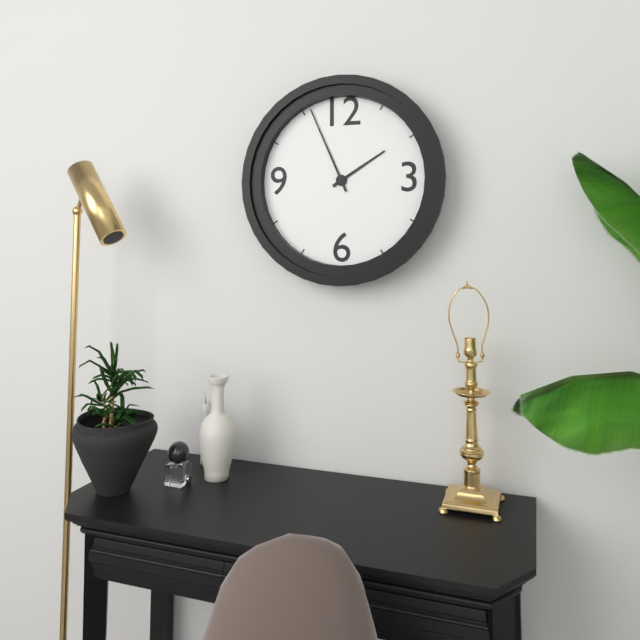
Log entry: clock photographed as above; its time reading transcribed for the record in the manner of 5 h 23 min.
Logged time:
1 h 56 min
